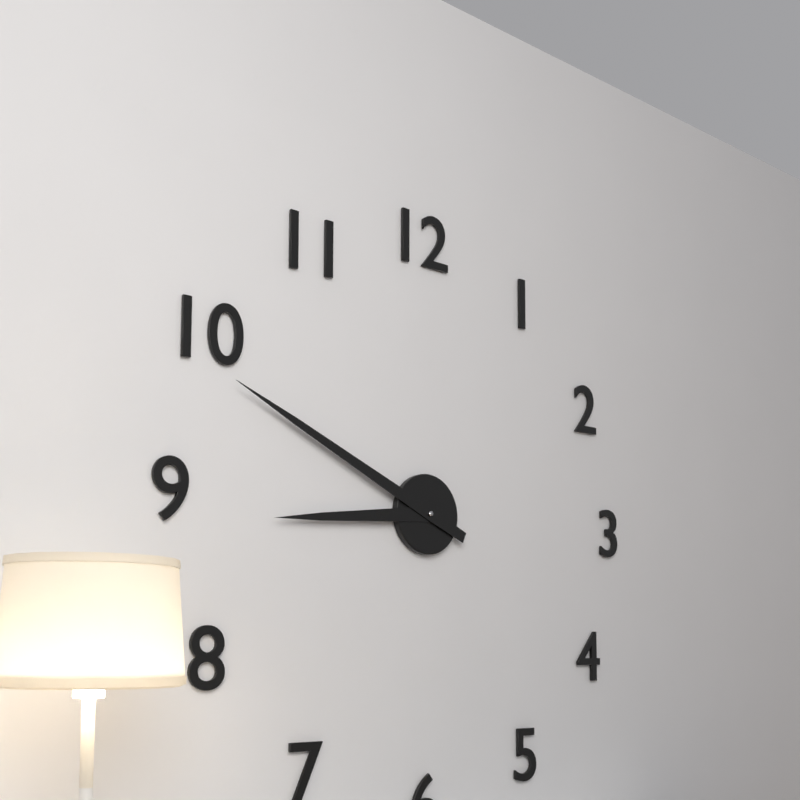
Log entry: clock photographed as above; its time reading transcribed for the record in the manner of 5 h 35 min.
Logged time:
8 h 49 min
